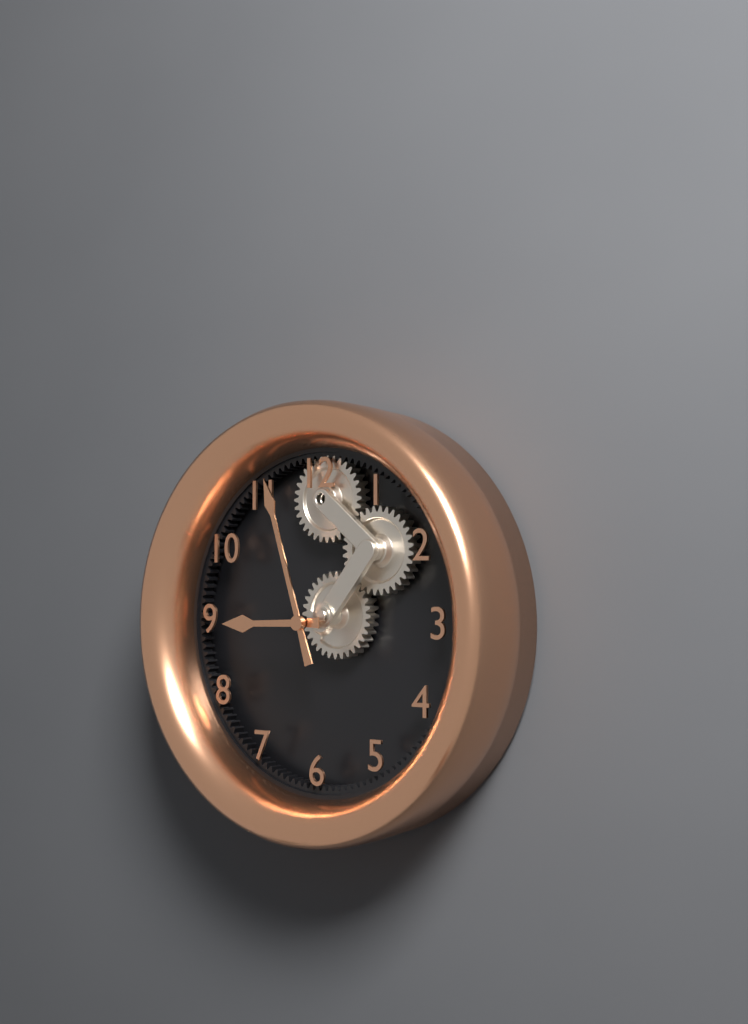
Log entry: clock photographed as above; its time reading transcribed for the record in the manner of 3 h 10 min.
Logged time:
8 h 57 min
